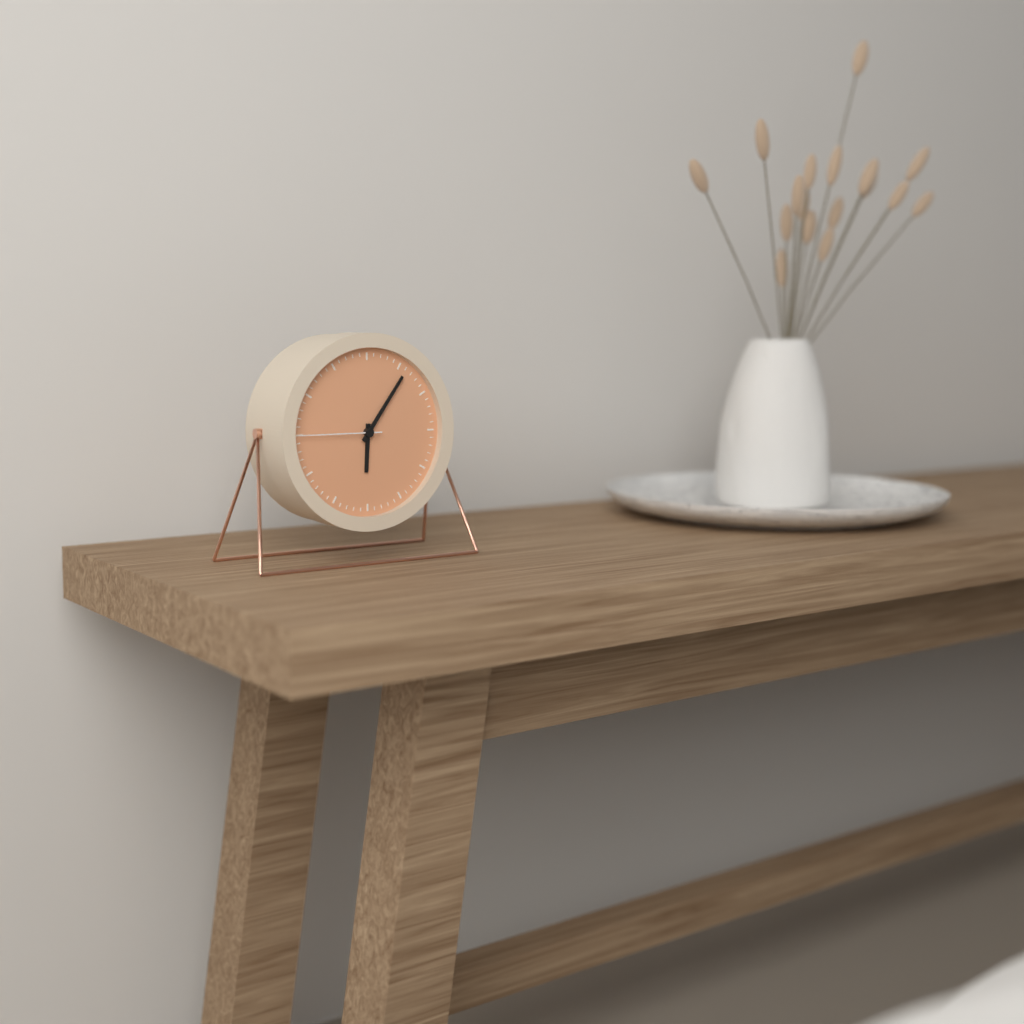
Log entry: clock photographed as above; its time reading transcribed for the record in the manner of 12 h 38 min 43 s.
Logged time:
6 h 06 min 45 s
